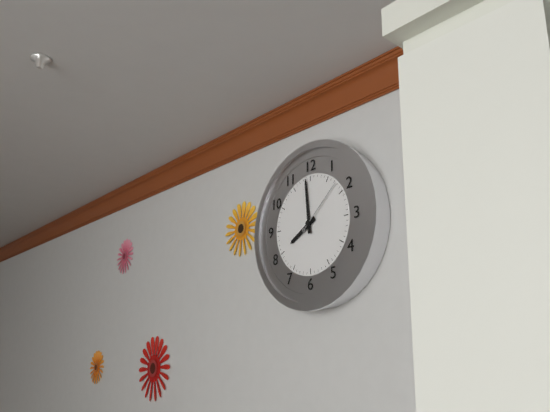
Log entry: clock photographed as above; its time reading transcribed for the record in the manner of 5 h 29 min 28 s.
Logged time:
7 h 59 min 08 s
